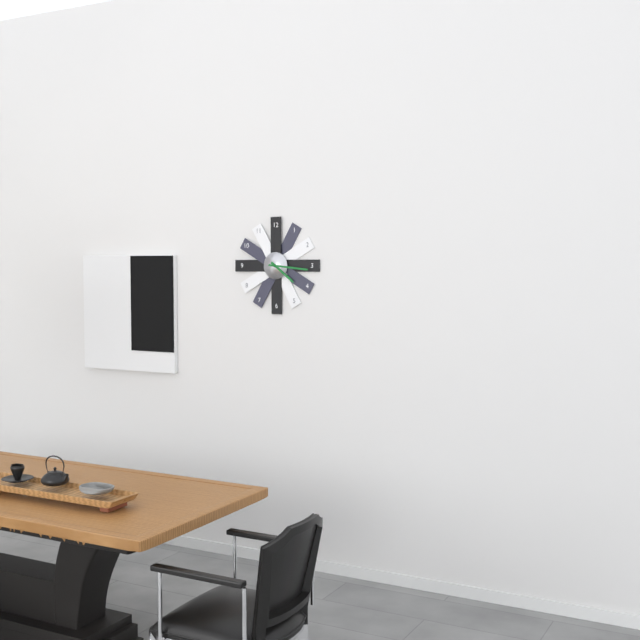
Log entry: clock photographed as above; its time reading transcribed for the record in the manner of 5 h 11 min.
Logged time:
4 h 16 min
